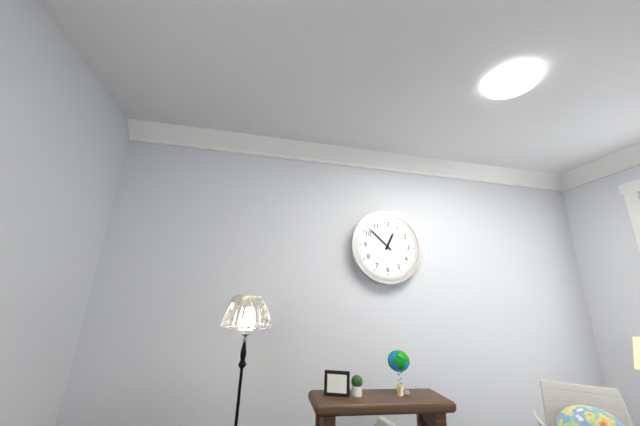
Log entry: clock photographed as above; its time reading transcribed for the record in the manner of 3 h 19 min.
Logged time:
12 h 52 min
